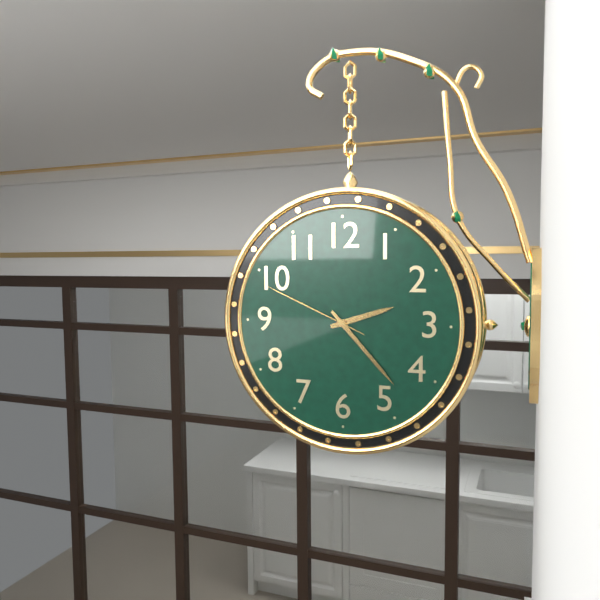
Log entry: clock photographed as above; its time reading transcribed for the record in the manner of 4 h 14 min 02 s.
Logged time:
2 h 23 min 49 s
